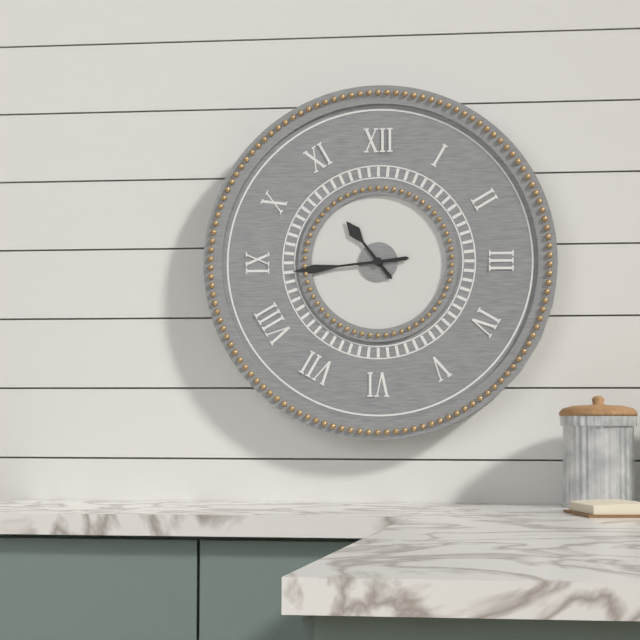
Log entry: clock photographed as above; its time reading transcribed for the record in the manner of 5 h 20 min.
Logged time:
10 h 44 min
